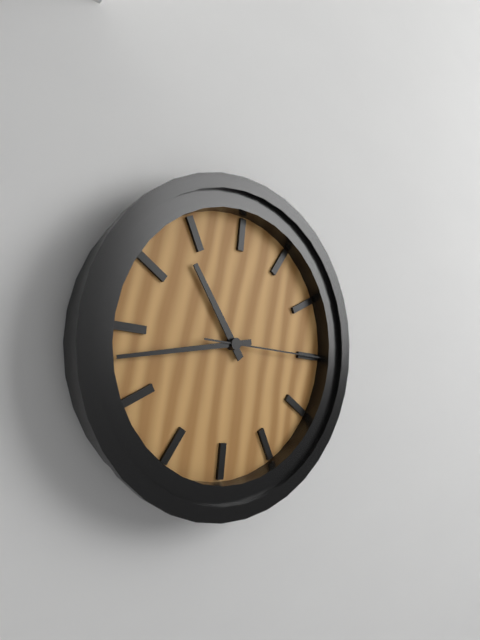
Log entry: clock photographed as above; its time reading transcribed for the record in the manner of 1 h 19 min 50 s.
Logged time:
10 h 43 min 15 s
